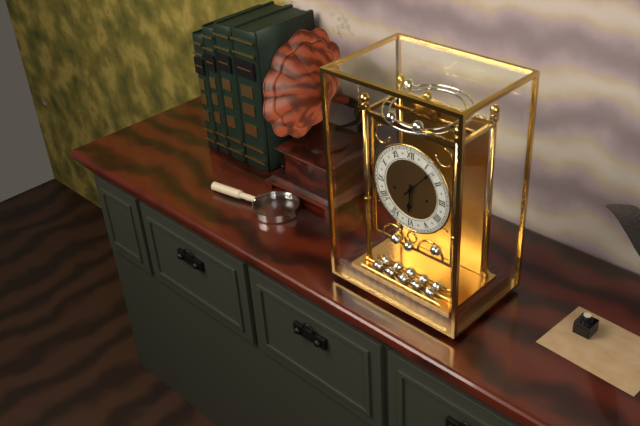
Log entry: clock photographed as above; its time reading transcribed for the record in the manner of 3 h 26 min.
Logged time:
6 h 07 min
